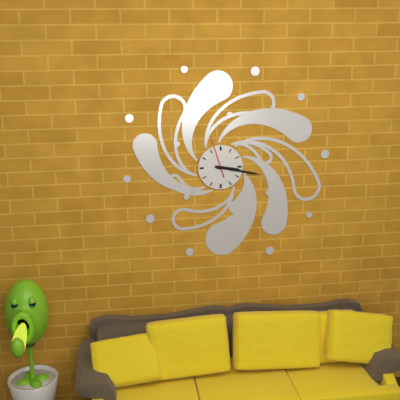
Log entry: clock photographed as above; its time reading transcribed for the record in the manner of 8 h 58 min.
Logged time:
3 h 17 min
